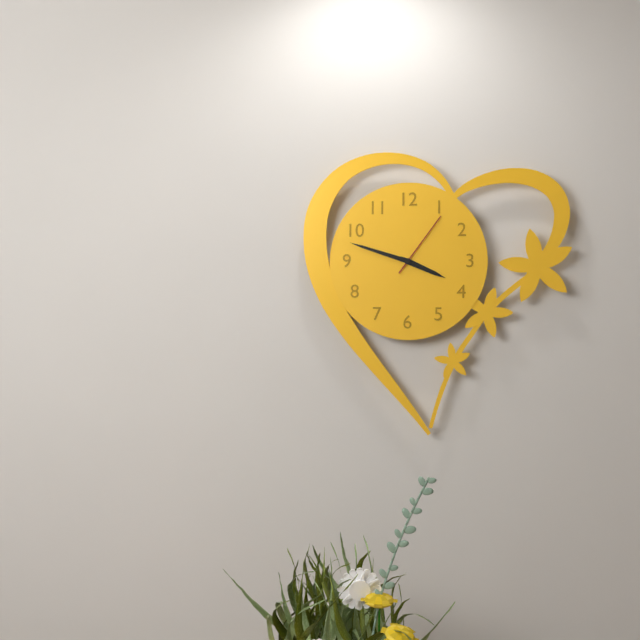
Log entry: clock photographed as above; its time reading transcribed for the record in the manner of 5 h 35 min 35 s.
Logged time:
3 h 48 min 06 s
